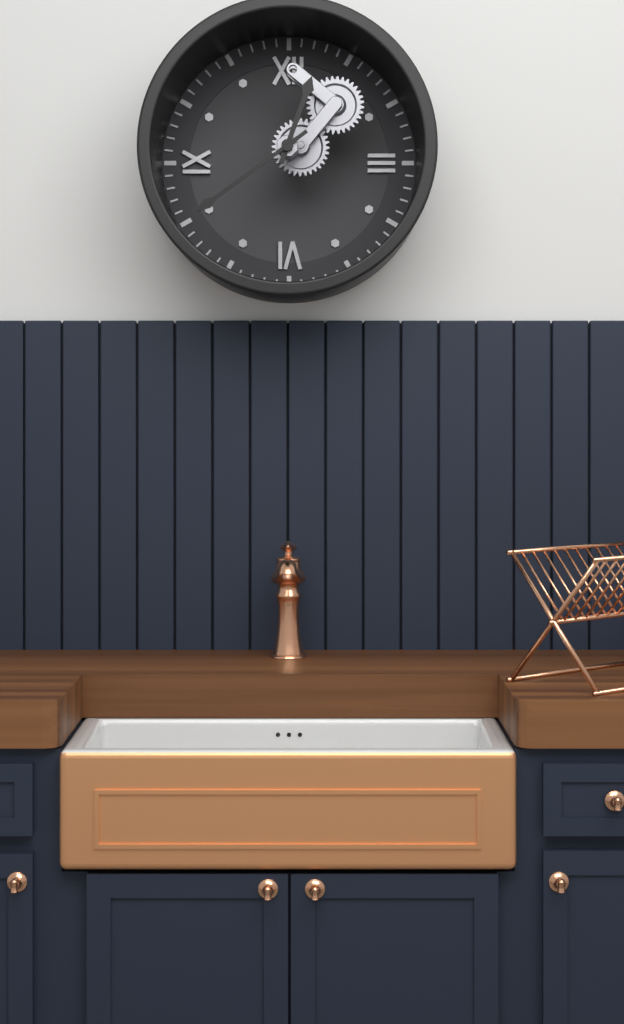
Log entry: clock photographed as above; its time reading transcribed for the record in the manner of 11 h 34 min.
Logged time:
12 h 39 min
